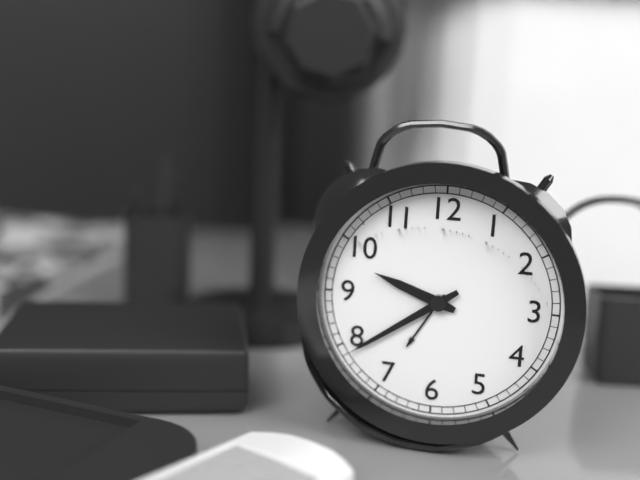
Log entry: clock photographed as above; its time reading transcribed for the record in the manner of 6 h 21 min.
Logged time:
9 h 39 min
